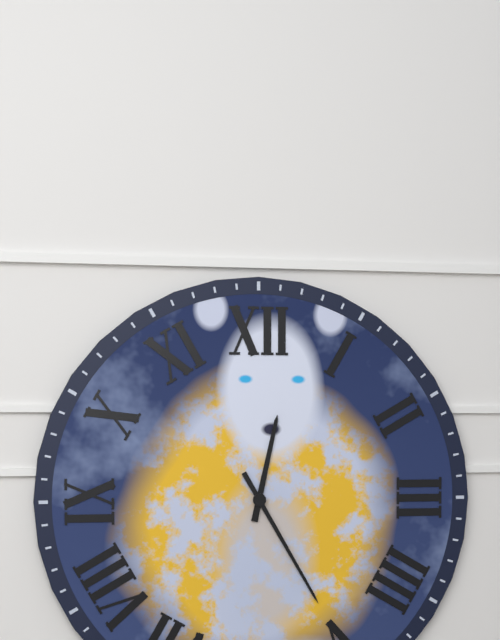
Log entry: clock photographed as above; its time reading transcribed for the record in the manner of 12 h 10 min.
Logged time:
12 h 25 min
